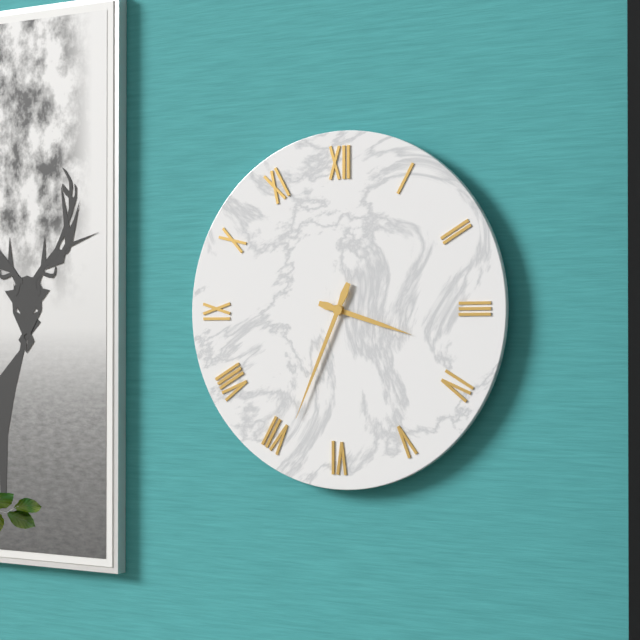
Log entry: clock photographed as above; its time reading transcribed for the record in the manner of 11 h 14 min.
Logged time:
3 h 34 min
